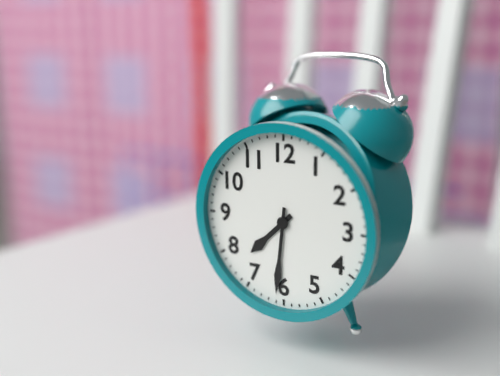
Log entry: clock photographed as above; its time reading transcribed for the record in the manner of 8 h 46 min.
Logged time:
7 h 31 min
